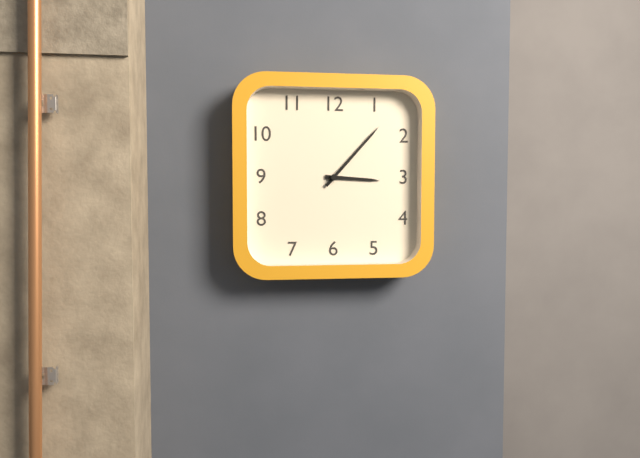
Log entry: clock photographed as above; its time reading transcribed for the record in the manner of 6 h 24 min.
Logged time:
3 h 07 min
